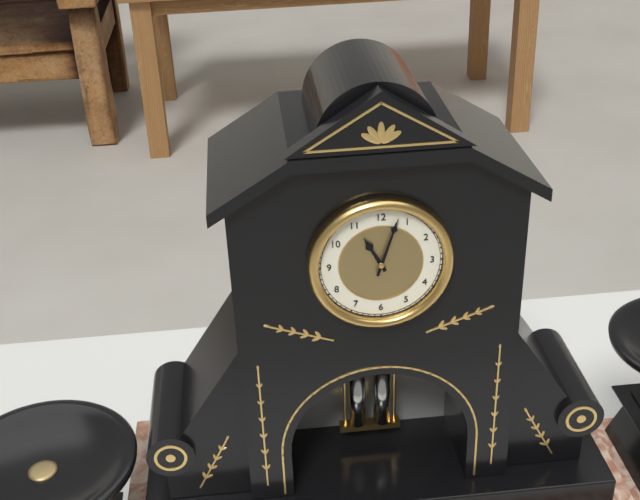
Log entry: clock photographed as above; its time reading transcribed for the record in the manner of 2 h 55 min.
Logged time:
11 h 03 min
